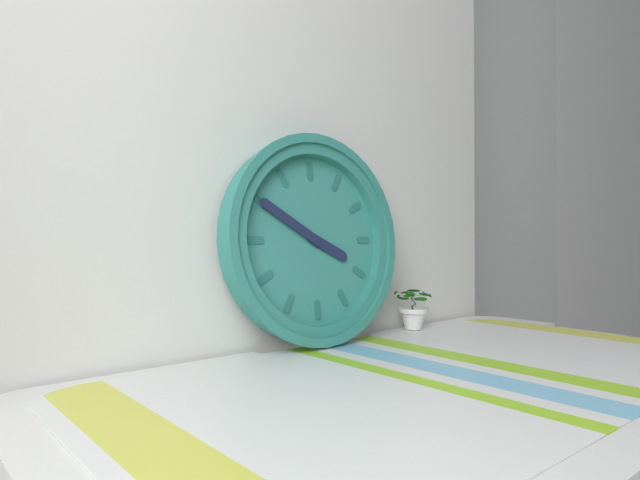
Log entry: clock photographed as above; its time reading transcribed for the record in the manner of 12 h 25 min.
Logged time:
3 h 50 min
